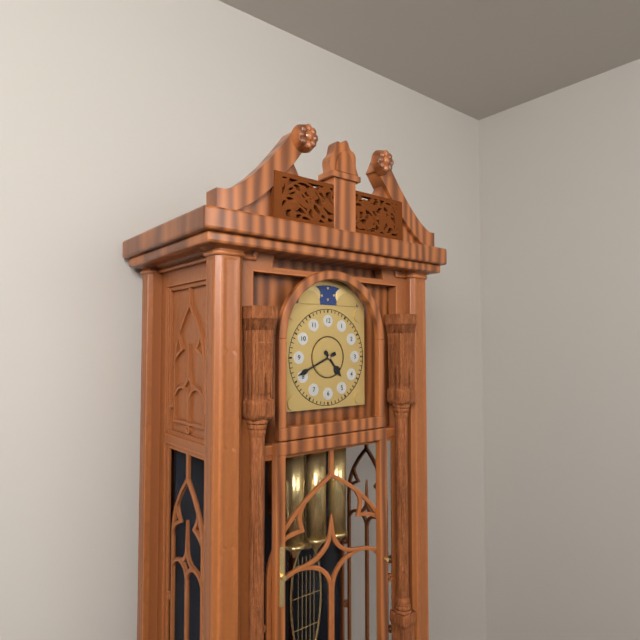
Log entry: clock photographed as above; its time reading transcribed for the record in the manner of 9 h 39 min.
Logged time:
4 h 41 min
